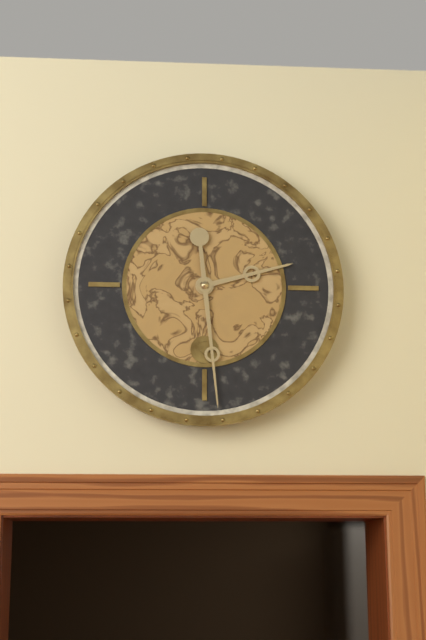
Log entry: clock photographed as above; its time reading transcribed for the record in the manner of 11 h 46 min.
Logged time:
2 h 29 min
